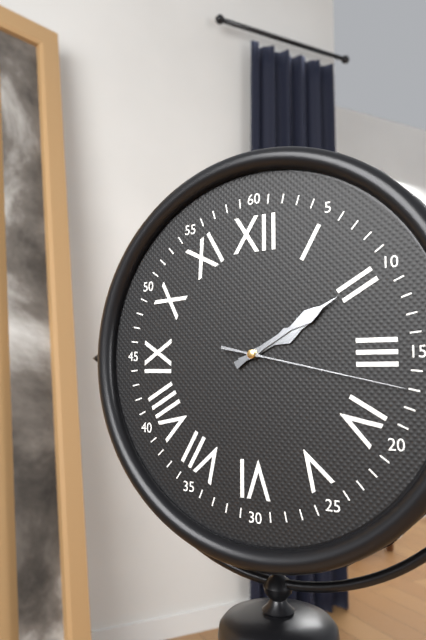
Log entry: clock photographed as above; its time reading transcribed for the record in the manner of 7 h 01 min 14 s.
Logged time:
2 h 10 min 17 s
